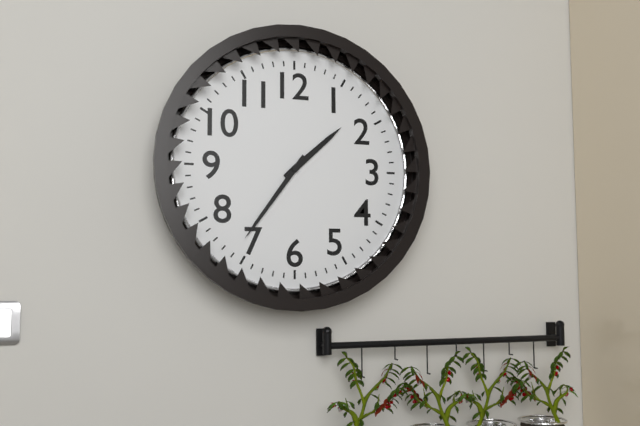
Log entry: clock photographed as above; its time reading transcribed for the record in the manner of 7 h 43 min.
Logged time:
1 h 36 min
